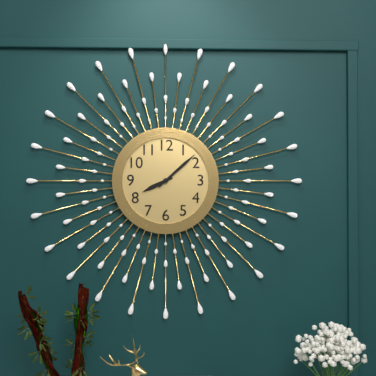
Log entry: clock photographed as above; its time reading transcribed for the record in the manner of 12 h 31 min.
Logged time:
8 h 08 min
